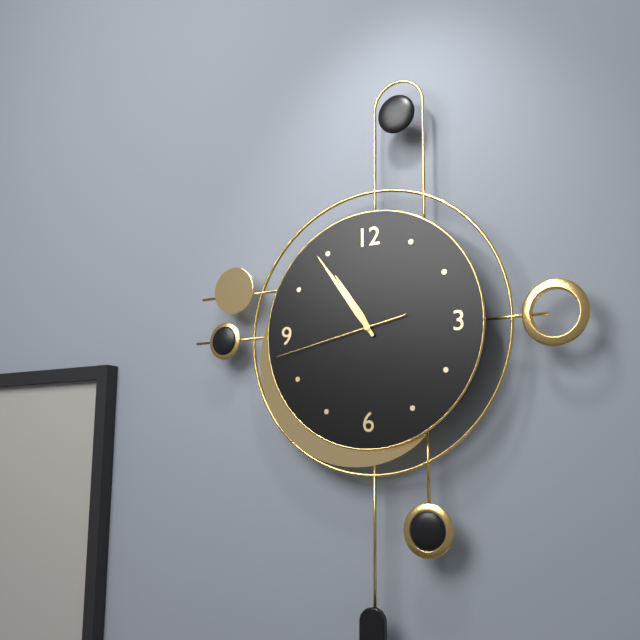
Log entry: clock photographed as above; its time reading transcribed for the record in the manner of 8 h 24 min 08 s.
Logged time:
10 h 54 min 43 s
